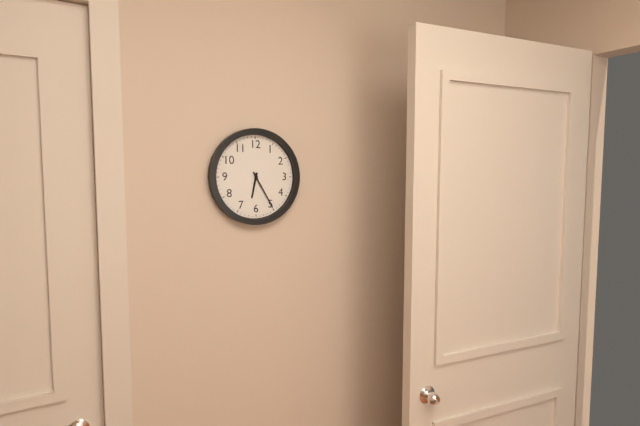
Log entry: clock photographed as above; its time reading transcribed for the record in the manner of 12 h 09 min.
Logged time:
6 h 25 min
